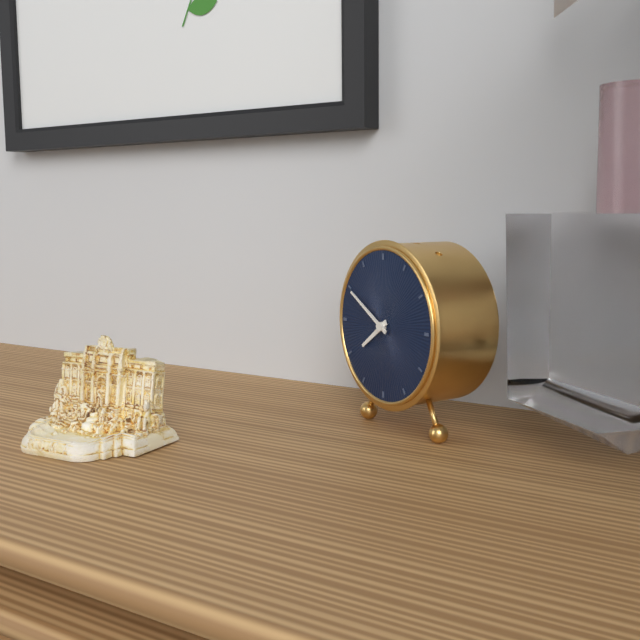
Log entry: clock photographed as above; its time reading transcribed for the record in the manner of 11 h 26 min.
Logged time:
7 h 50 min
